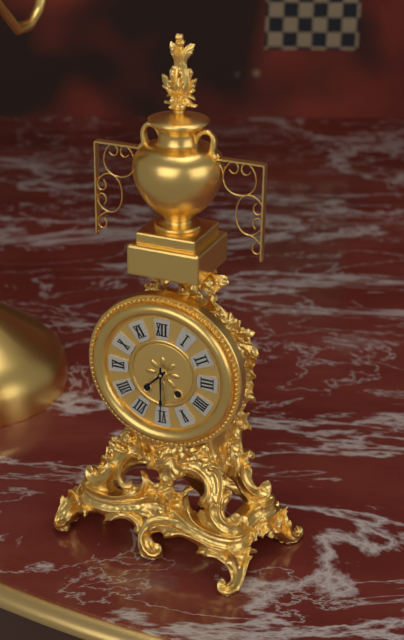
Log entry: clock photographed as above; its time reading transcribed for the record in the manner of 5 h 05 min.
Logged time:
7 h 30 min
